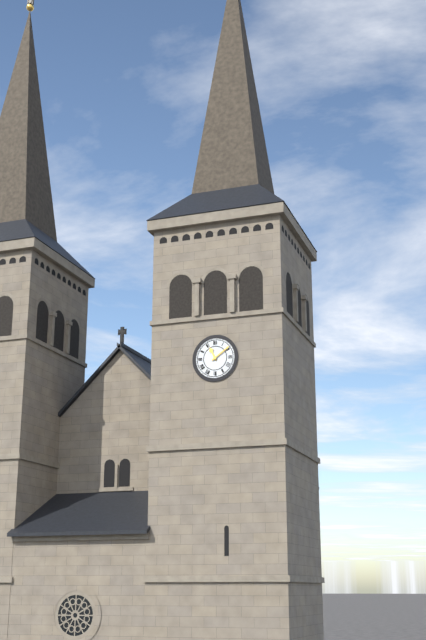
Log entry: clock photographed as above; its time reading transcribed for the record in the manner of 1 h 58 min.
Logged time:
11 h 09 min
